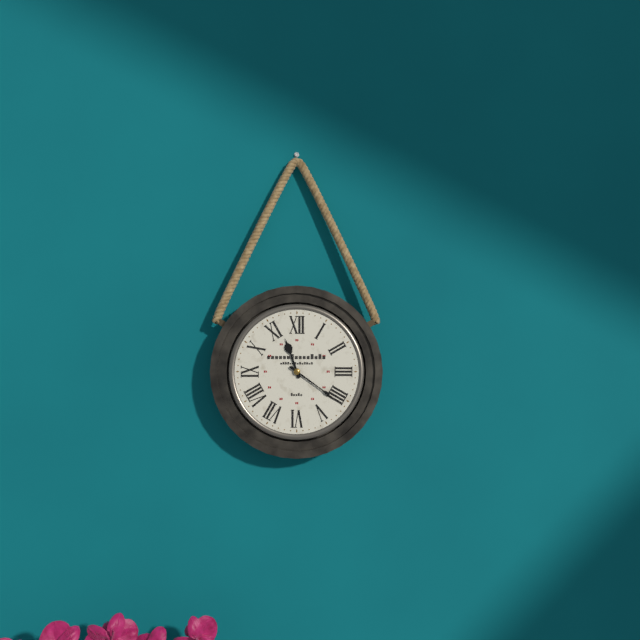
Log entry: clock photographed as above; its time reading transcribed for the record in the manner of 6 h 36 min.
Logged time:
11 h 21 min
